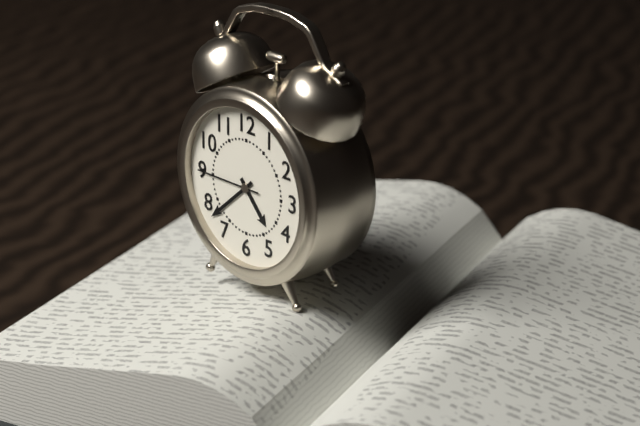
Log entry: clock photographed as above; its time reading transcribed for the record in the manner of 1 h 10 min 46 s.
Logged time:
4 h 38 min 45 s
